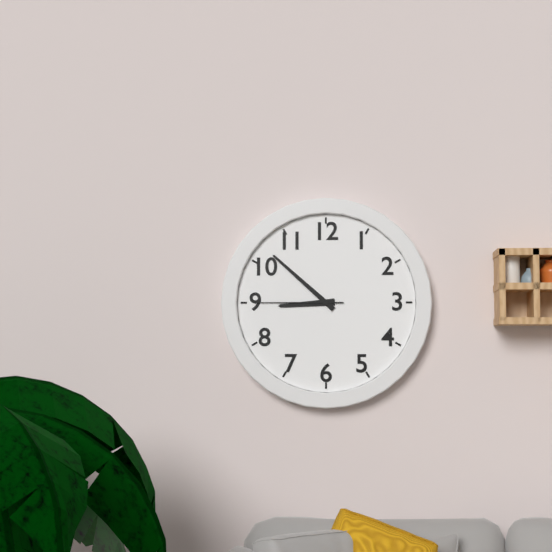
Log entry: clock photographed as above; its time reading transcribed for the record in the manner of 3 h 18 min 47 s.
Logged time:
8 h 52 min 45 s
